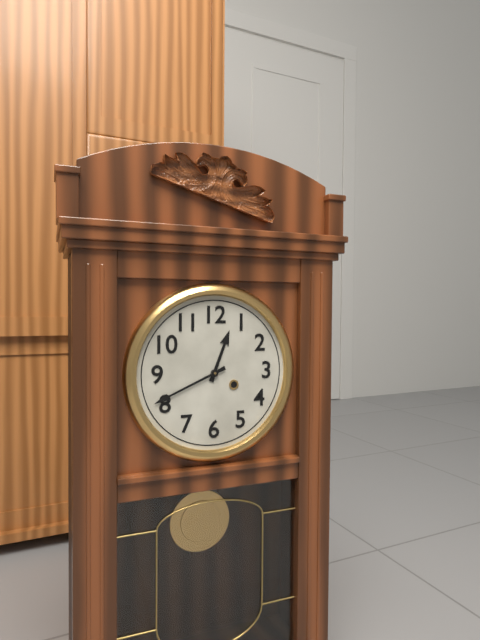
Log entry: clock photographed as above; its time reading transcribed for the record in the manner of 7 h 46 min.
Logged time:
12 h 41 min
